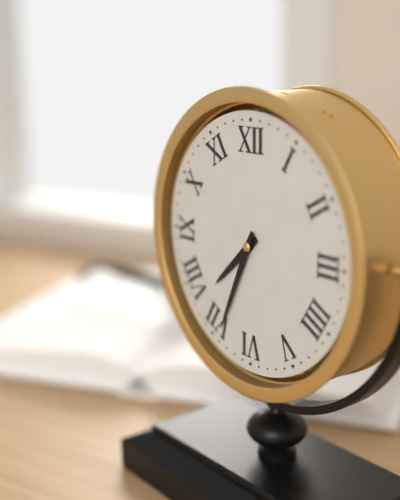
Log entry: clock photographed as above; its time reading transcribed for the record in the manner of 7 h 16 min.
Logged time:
7 h 34 min
